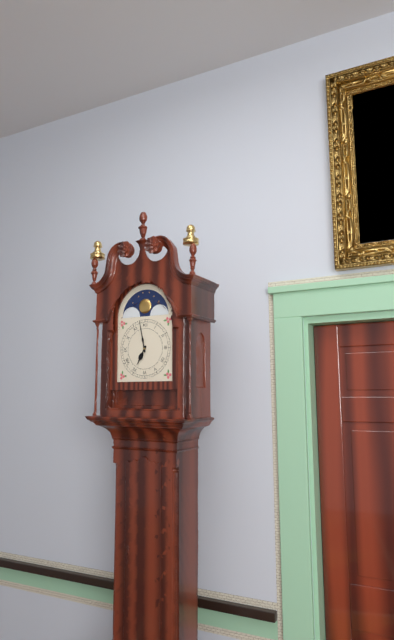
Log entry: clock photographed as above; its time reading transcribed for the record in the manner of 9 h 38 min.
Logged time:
6 h 58 min
